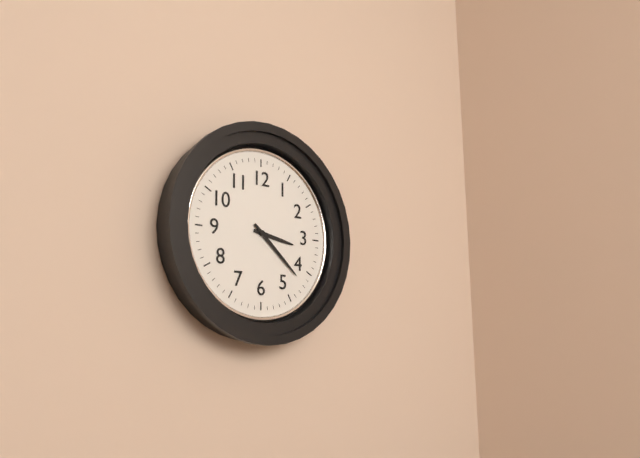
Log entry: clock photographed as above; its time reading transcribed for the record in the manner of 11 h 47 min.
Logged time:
3 h 22 min
